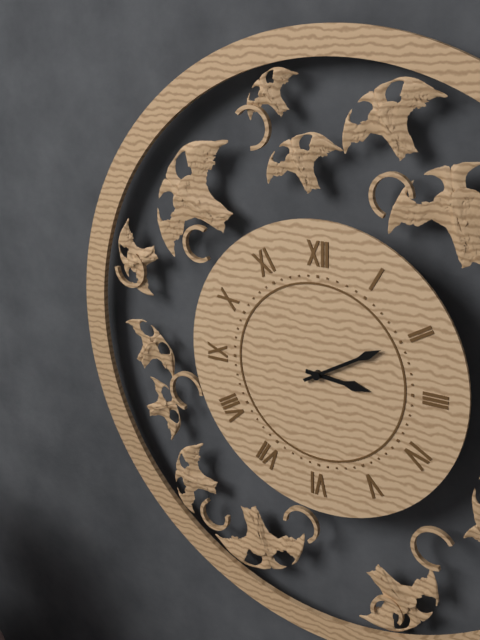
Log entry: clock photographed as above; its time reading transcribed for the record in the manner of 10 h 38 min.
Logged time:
3 h 10 min
